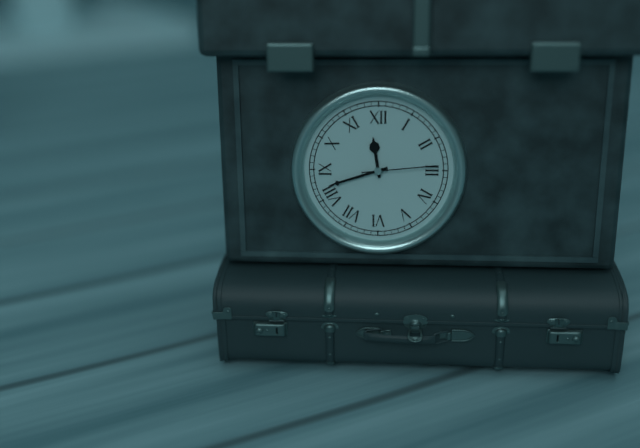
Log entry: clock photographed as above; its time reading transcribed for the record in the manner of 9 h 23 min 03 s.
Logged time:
11 h 42 min 14 s
